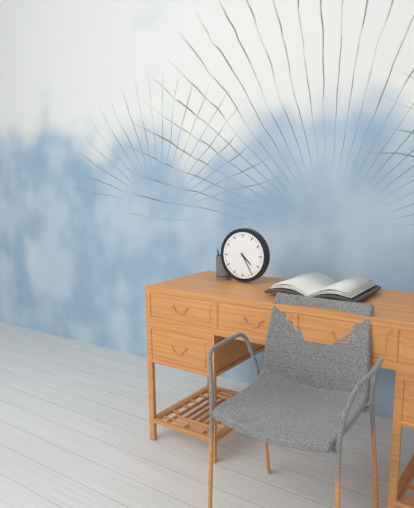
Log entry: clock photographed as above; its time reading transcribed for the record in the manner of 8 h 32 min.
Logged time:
4 h 25 min
